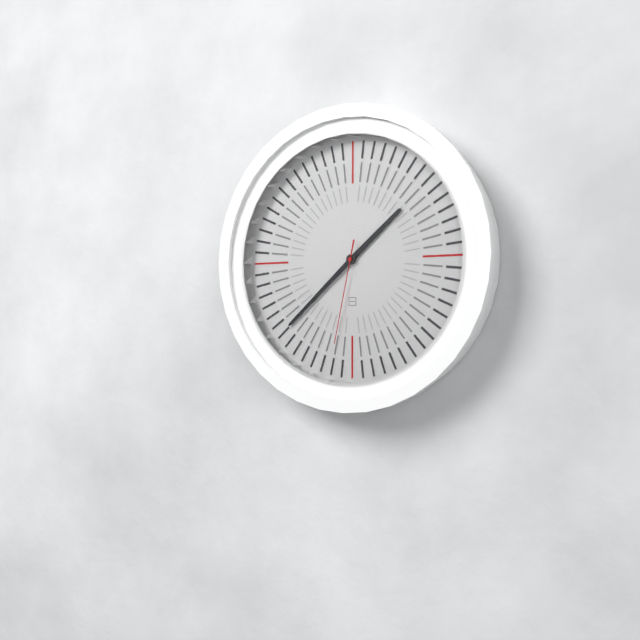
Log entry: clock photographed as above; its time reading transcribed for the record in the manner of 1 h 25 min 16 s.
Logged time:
1 h 38 min 32 s
